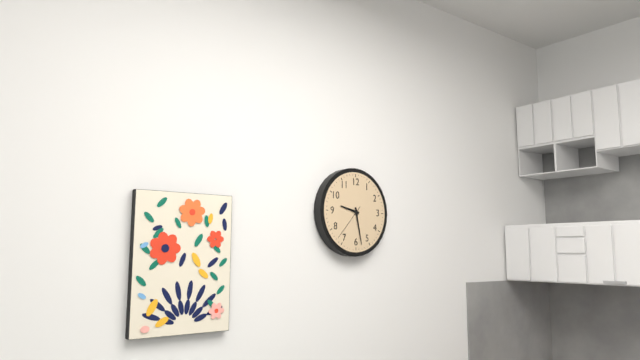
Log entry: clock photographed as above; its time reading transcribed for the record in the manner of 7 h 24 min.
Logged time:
9 h 28 min
